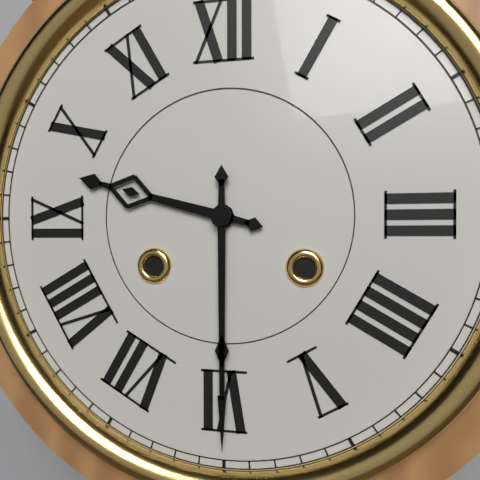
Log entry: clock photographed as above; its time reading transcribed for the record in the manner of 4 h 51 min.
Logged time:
9 h 30 min
